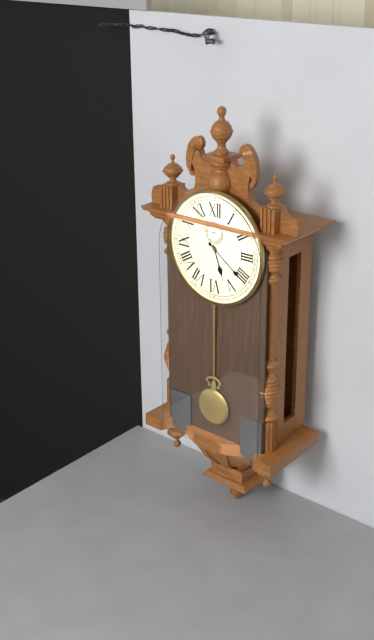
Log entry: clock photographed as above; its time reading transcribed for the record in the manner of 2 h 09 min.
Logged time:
5 h 21 min
